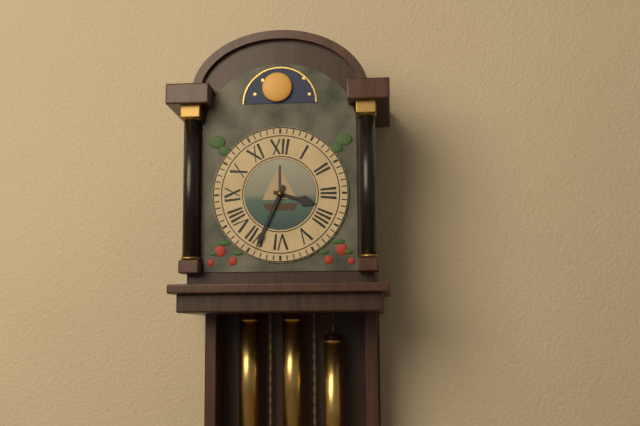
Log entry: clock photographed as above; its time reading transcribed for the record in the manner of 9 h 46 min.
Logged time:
3 h 34 min
